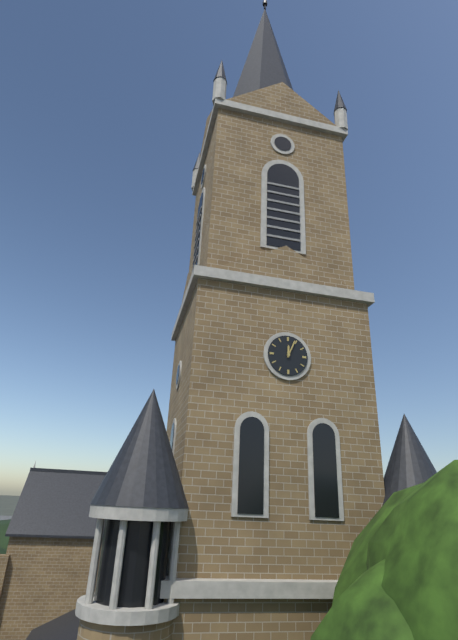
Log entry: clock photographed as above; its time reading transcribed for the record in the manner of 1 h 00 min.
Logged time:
12 h 04 min
